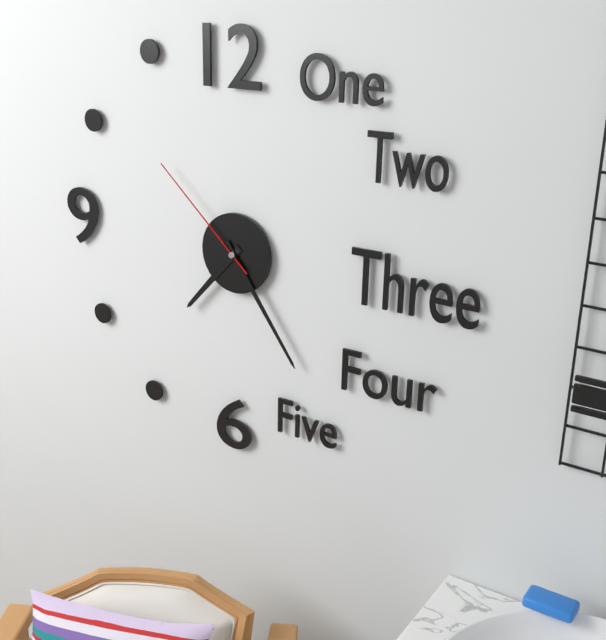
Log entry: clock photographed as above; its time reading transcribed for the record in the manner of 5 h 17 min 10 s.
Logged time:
7 h 24 min 52 s
